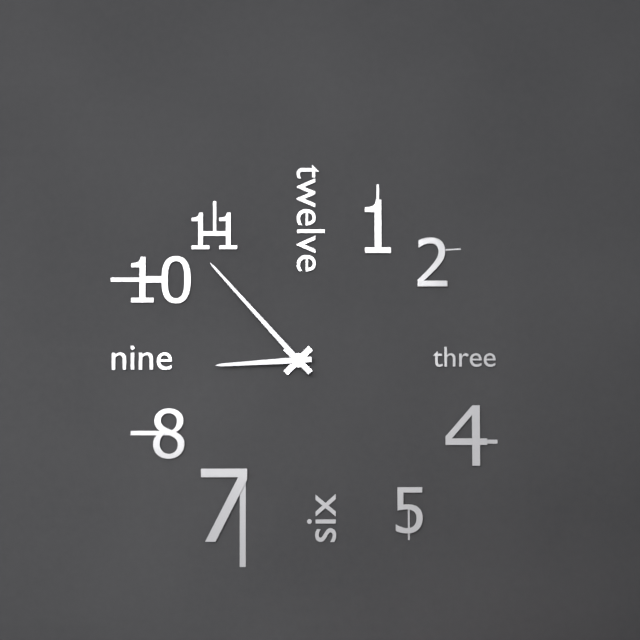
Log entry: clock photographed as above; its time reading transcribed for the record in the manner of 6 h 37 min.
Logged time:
8 h 53 min
